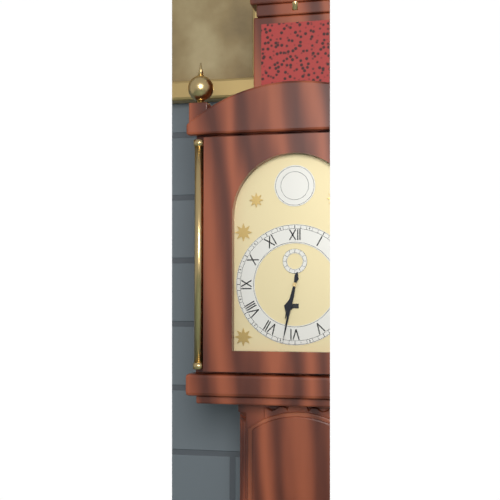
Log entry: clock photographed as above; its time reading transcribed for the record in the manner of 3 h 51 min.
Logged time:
6 h 32 min
